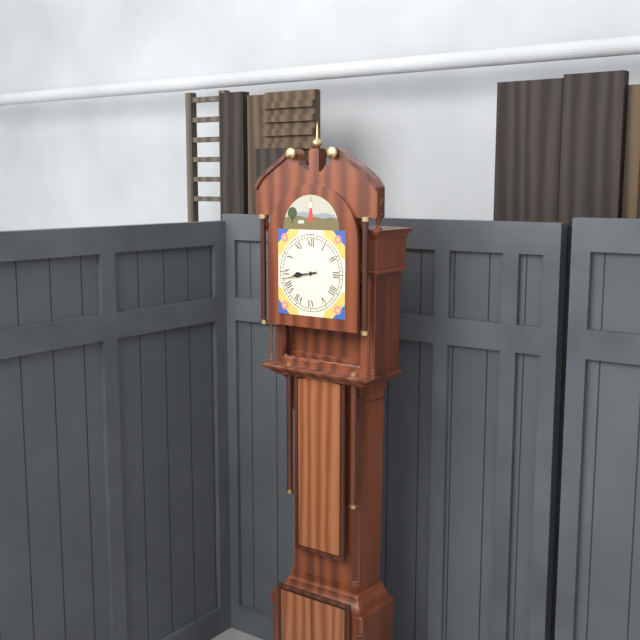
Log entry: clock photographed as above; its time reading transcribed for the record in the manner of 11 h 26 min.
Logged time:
8 h 43 min
